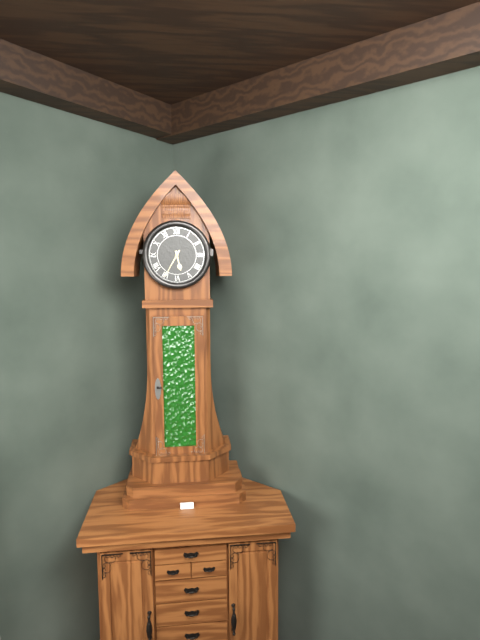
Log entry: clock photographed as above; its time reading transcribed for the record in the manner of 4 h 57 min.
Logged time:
5 h 35 min
